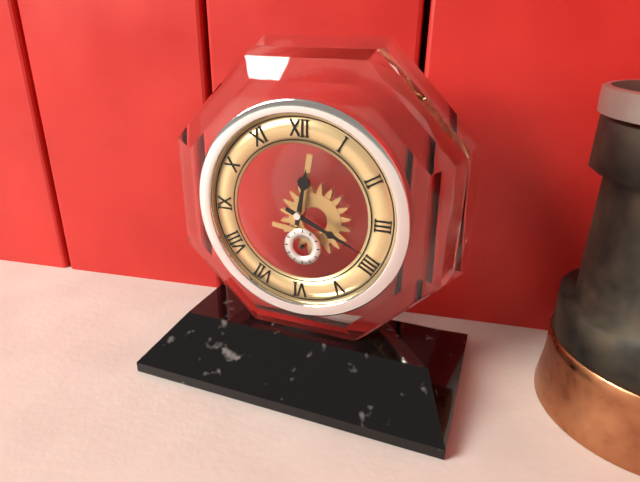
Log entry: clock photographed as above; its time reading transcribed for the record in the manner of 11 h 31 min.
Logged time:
12 h 19 min
